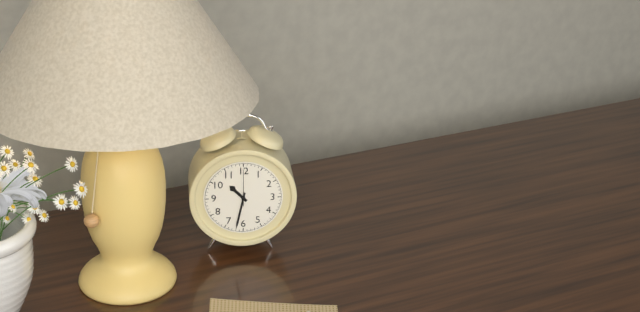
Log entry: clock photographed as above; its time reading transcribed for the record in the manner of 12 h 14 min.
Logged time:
10 h 32 min
